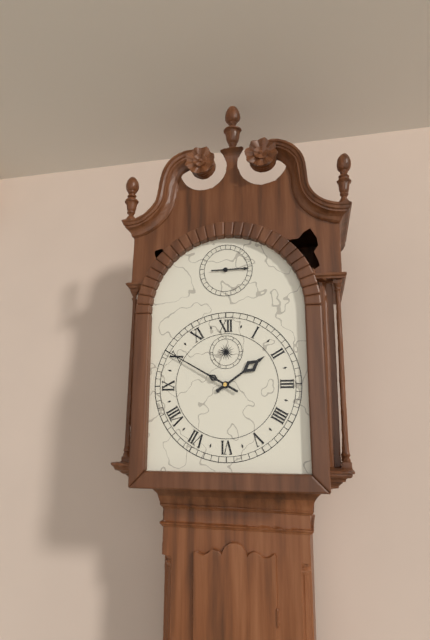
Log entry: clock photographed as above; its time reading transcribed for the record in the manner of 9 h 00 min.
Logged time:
1 h 50 min
